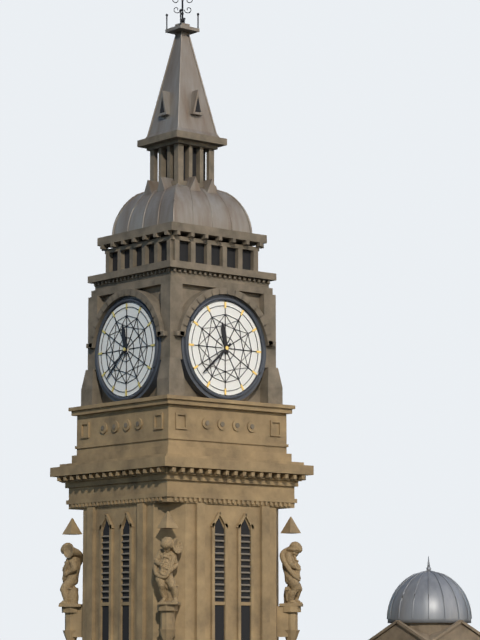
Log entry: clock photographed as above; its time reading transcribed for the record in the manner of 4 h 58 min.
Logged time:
11 h 38 min
